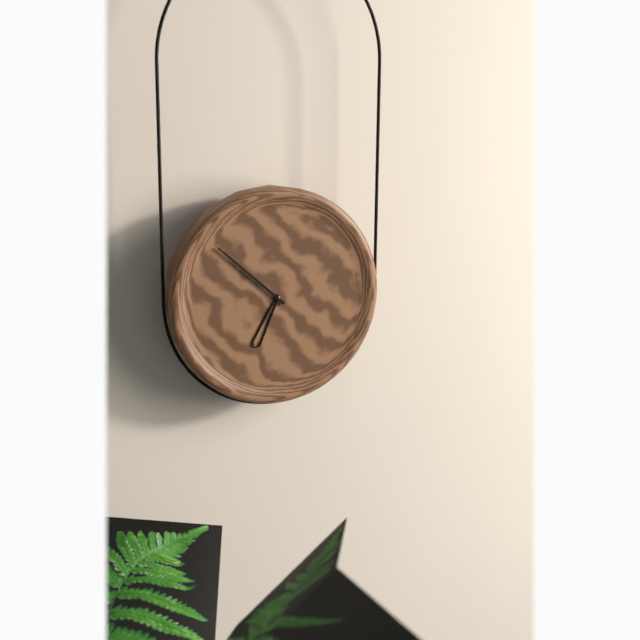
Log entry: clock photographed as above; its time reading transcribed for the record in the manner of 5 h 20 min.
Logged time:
6 h 52 min
